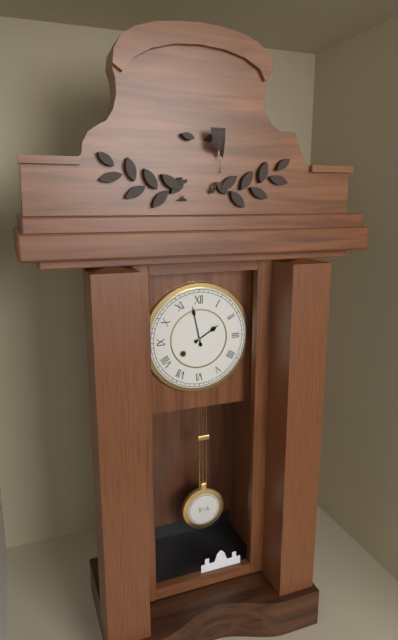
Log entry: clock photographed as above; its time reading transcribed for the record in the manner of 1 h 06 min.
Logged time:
1 h 58 min
